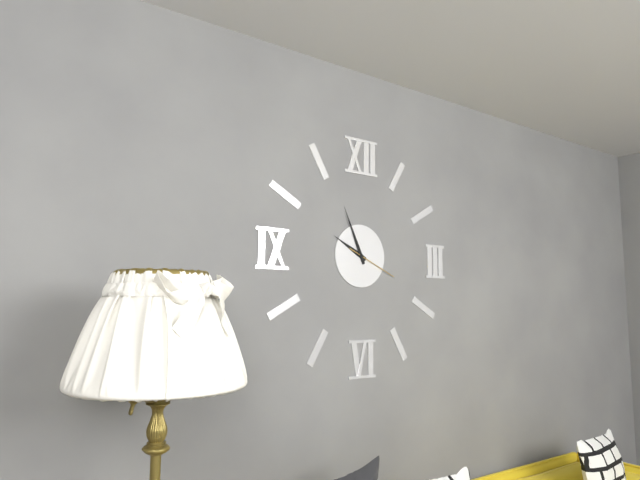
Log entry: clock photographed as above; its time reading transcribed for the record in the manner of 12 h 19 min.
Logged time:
9 h 56 min
